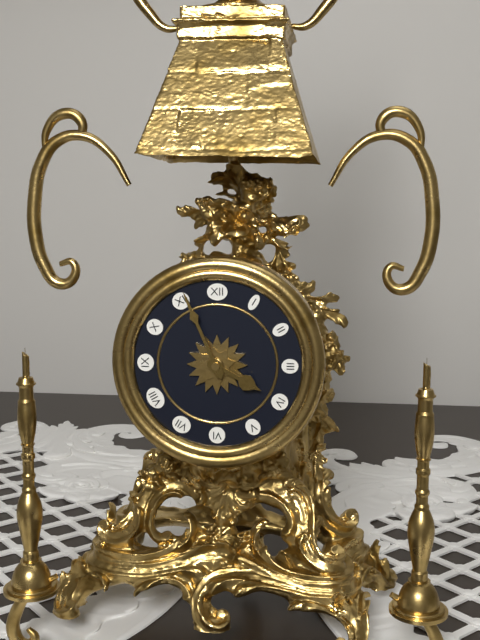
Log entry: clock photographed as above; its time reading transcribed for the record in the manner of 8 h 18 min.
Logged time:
3 h 56 min
